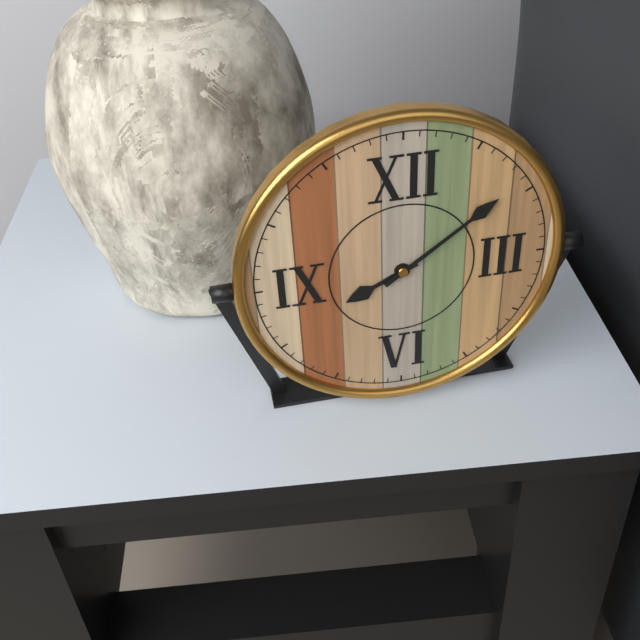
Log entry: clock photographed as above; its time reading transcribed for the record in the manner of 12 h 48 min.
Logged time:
8 h 09 min
